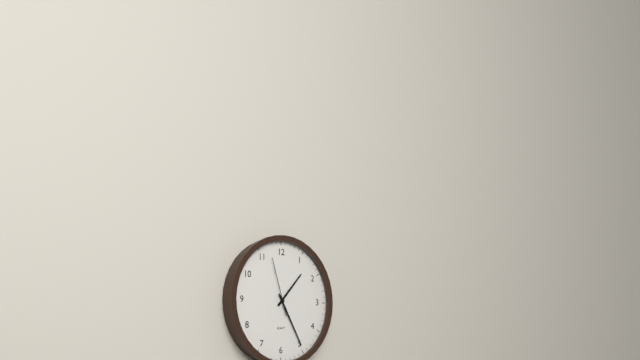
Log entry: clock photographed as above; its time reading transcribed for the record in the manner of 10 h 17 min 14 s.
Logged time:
1 h 25 min 57 s
